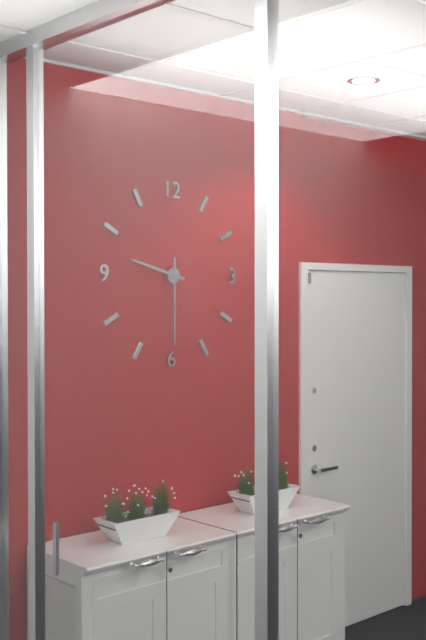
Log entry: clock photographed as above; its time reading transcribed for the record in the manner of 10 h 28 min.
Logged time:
9 h 30 min
